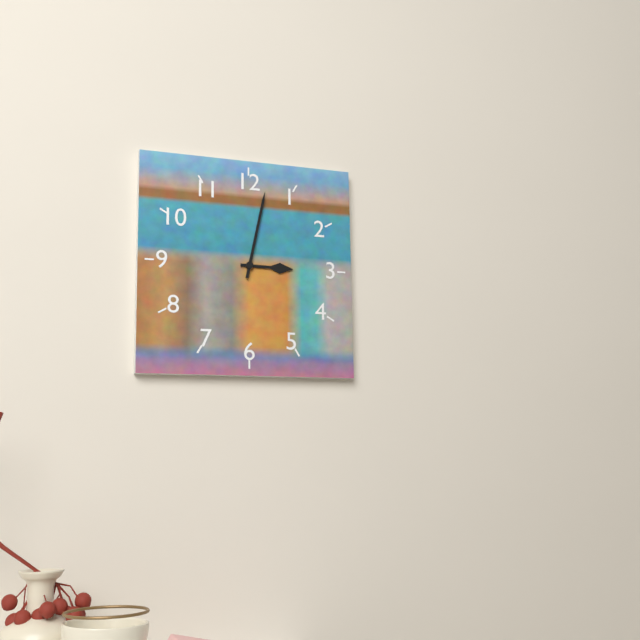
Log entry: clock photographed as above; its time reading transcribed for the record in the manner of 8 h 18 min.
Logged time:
3 h 02 min
